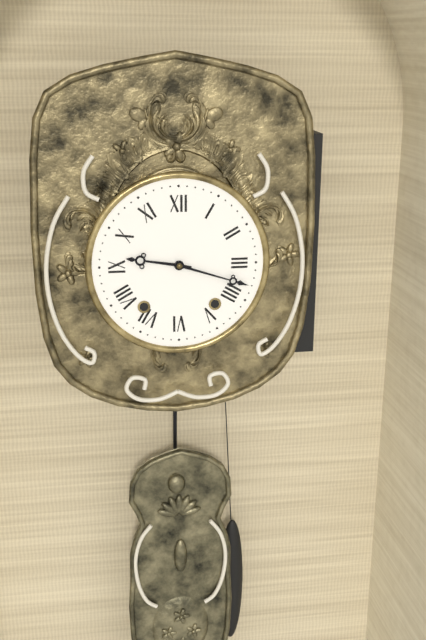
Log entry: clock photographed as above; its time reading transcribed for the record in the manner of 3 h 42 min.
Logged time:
9 h 18 min
